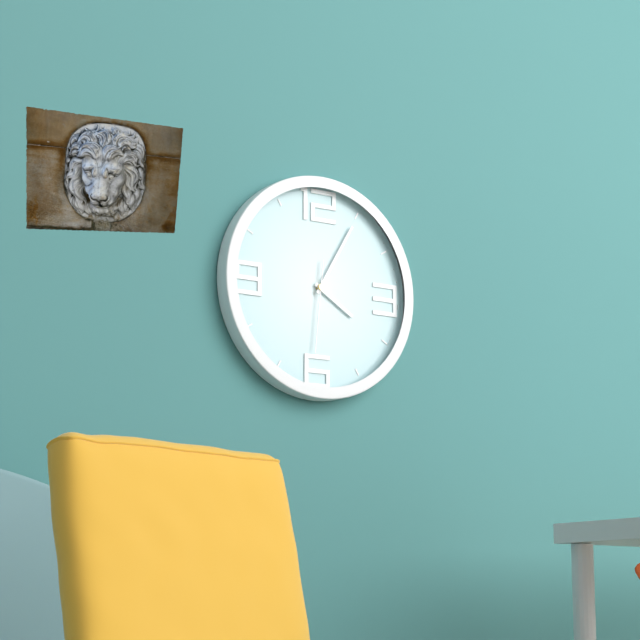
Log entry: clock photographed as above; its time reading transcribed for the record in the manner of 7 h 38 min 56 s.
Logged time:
4 h 05 min 31 s
